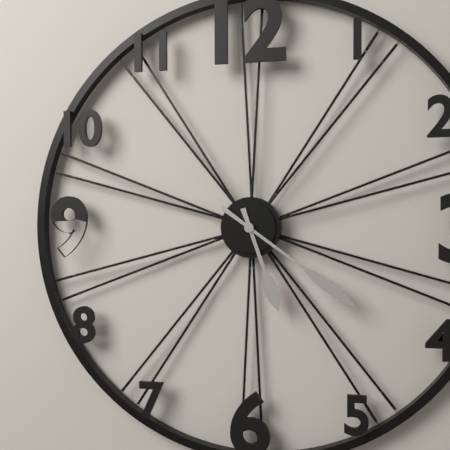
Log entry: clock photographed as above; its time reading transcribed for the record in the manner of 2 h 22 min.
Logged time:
5 h 21 min
